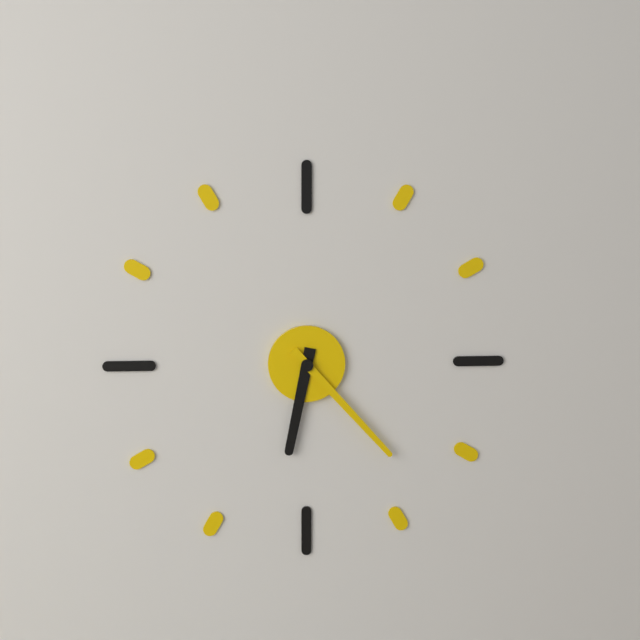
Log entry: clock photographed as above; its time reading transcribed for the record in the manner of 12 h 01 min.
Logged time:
6 h 23 min
